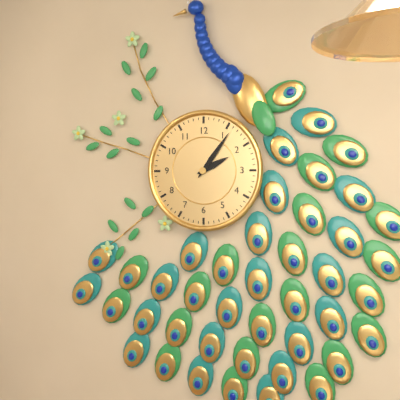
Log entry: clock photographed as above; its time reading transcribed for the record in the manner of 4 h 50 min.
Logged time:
2 h 06 min
